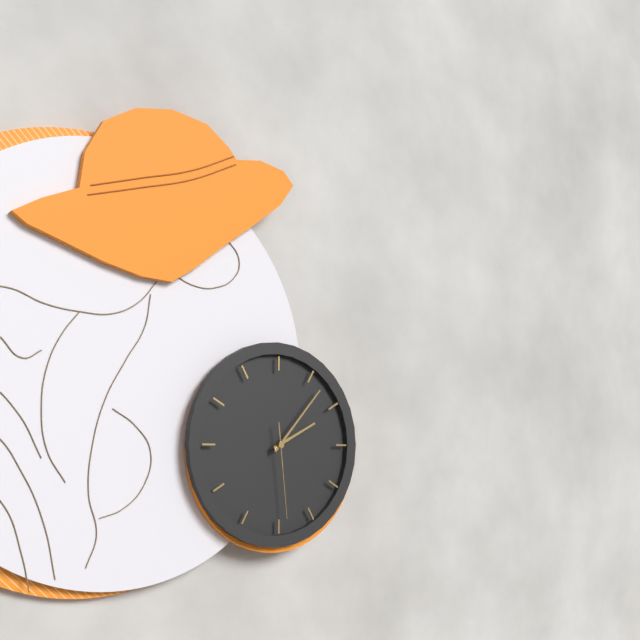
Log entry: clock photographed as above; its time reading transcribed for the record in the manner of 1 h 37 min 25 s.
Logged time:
2 h 07 min 29 s
